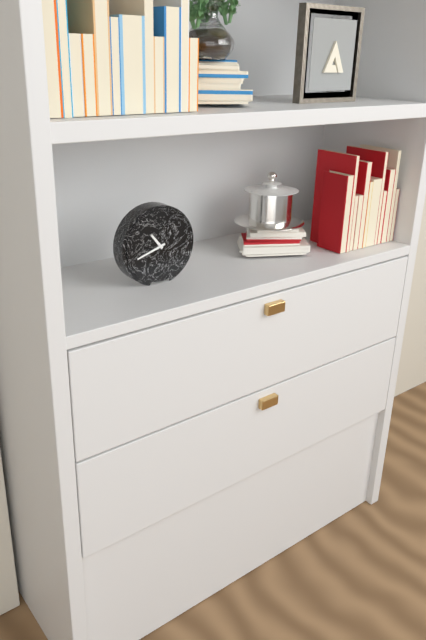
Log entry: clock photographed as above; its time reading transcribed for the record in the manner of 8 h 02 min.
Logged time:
10 h 42 min
